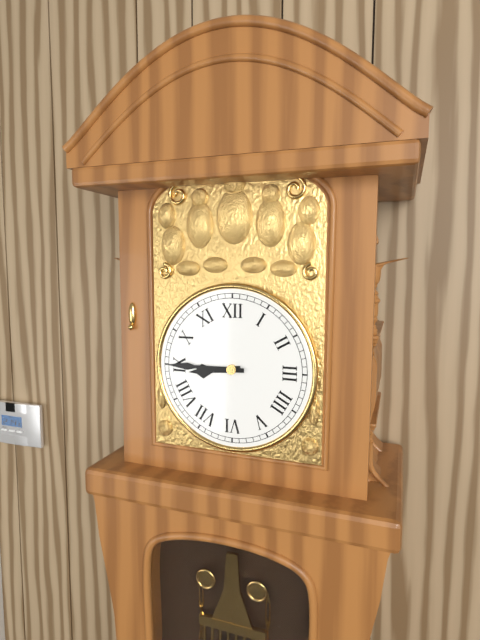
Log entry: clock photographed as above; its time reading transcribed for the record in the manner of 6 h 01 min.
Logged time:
8 h 45 min
